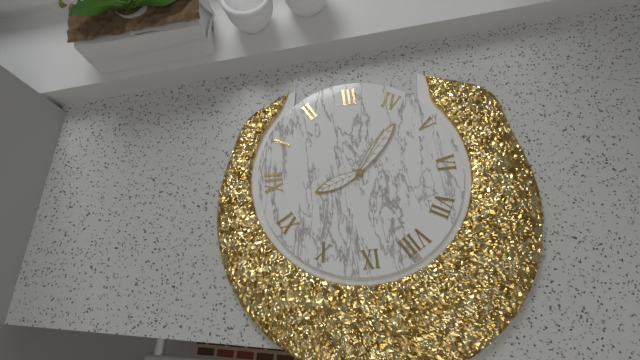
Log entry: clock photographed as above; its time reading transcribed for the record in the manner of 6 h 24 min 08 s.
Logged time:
11 h 22 min 21 s
